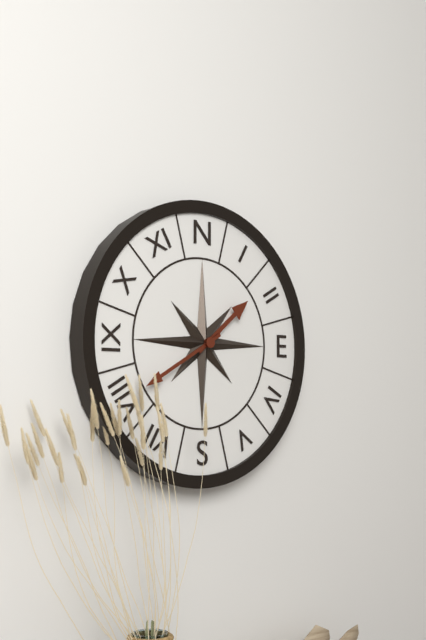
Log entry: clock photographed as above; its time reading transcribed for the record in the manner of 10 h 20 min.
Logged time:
1 h 40 min
